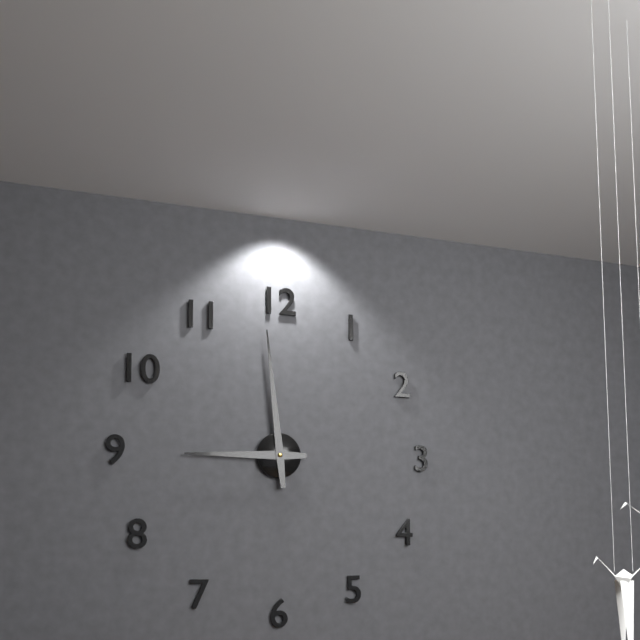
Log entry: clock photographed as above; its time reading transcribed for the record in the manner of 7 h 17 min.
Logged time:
8 h 59 min
